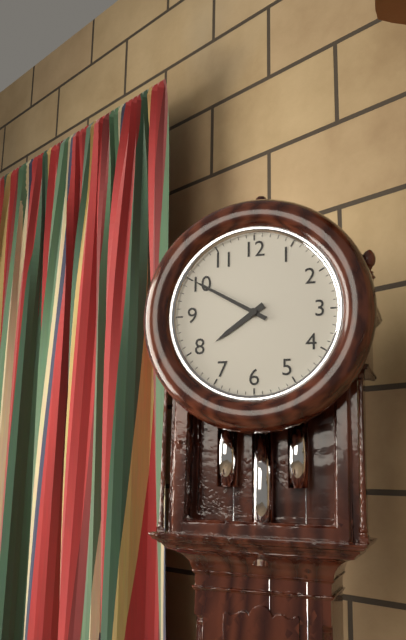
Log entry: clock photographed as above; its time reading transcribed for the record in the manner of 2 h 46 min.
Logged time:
7 h 50 min
